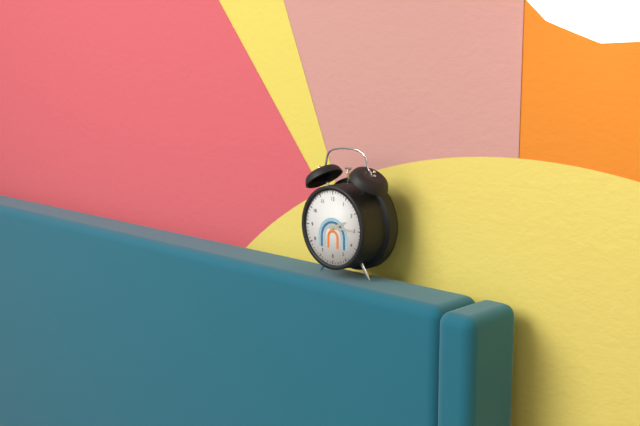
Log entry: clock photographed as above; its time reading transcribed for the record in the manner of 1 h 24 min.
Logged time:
2 h 15 min
